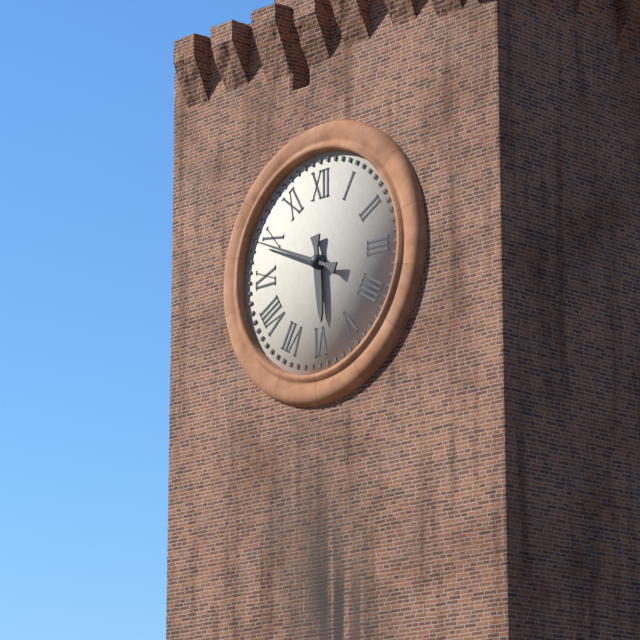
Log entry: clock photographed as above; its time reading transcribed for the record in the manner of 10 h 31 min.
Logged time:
5 h 49 min
